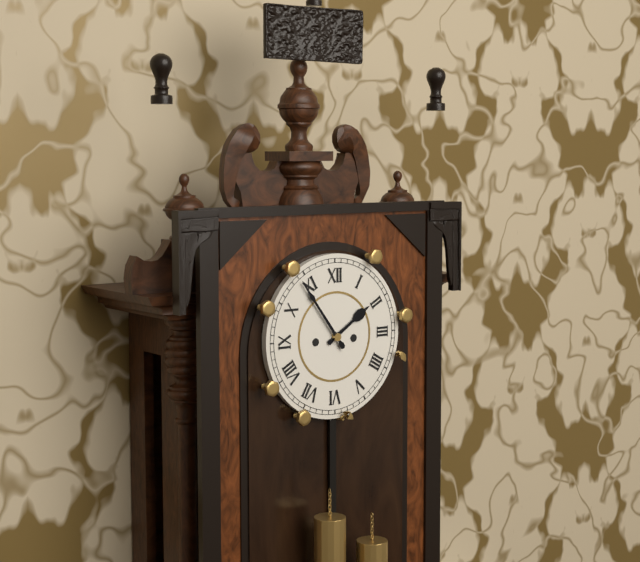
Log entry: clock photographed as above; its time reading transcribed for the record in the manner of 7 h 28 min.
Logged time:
1 h 54 min
